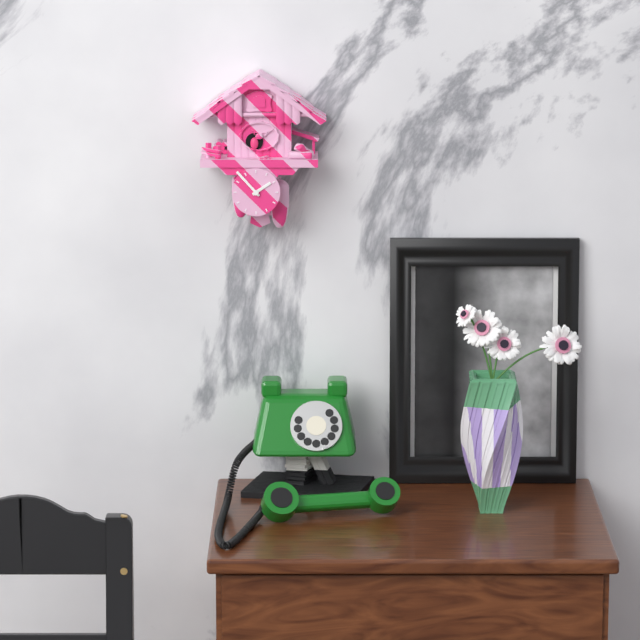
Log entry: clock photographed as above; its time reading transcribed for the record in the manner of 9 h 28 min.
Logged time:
1 h 53 min
